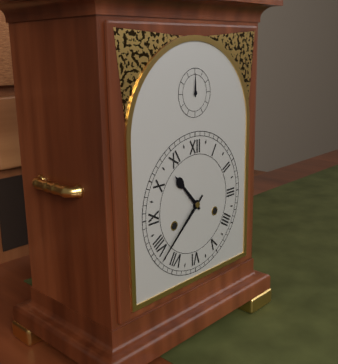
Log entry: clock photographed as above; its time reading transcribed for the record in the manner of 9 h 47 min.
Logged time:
10 h 38 min
